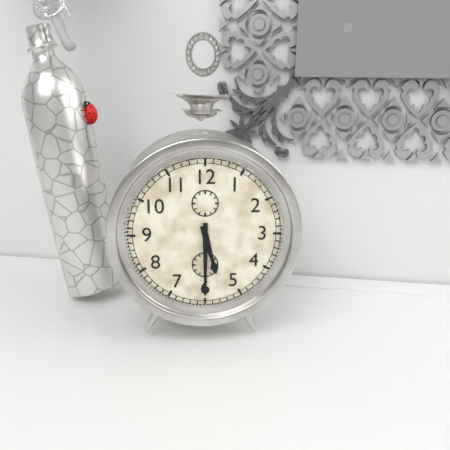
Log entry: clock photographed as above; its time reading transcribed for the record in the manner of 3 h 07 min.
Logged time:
5 h 30 min
